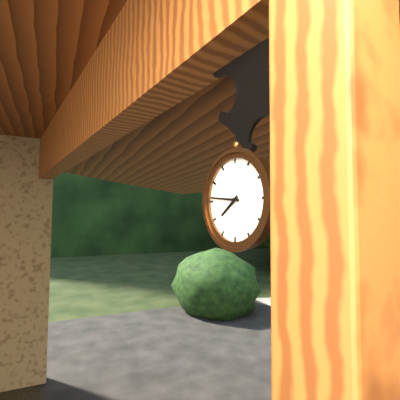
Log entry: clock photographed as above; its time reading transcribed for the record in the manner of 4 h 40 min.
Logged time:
7 h 46 min
